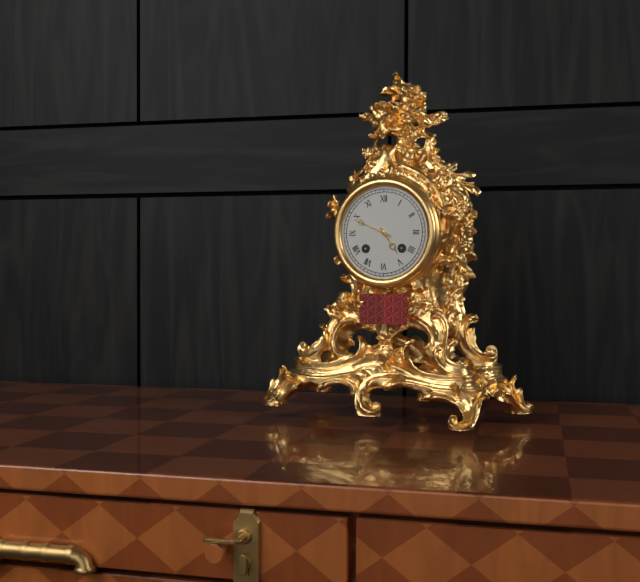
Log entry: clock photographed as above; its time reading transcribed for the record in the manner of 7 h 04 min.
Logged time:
4 h 49 min
